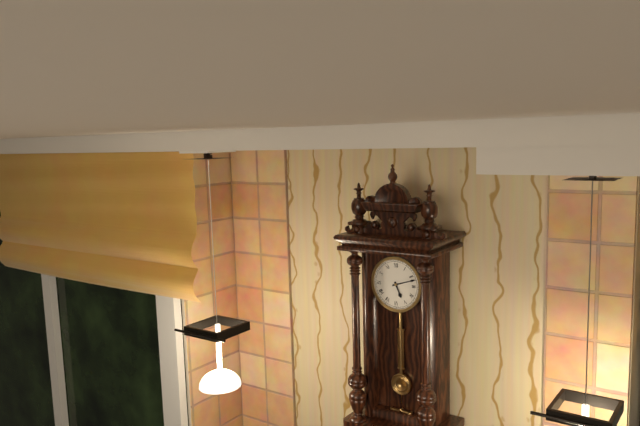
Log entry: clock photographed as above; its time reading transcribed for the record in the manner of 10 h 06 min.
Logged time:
5 h 12 min
